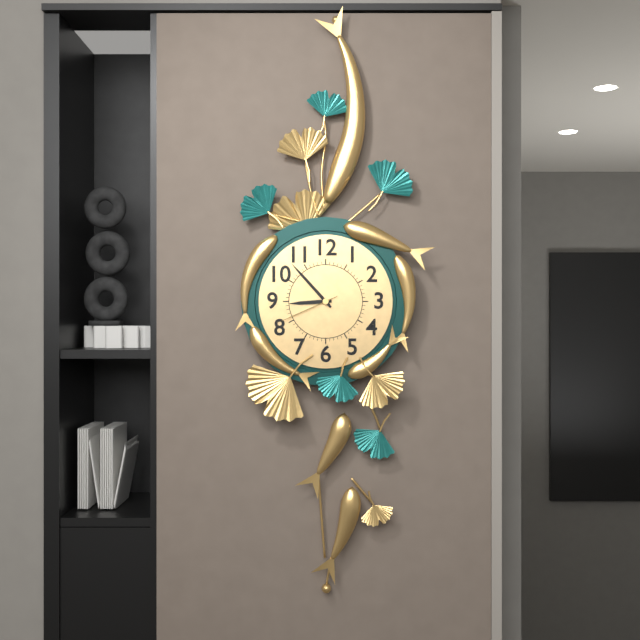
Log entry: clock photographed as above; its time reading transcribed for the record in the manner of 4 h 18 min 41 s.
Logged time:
8 h 53 min 41 s
